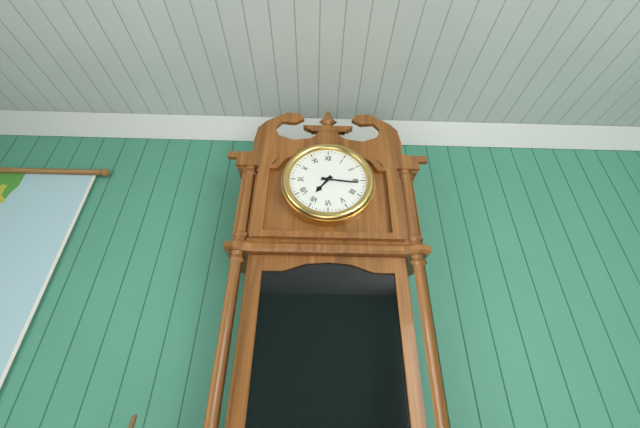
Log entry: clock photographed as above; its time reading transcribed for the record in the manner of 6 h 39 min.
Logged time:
7 h 16 min
